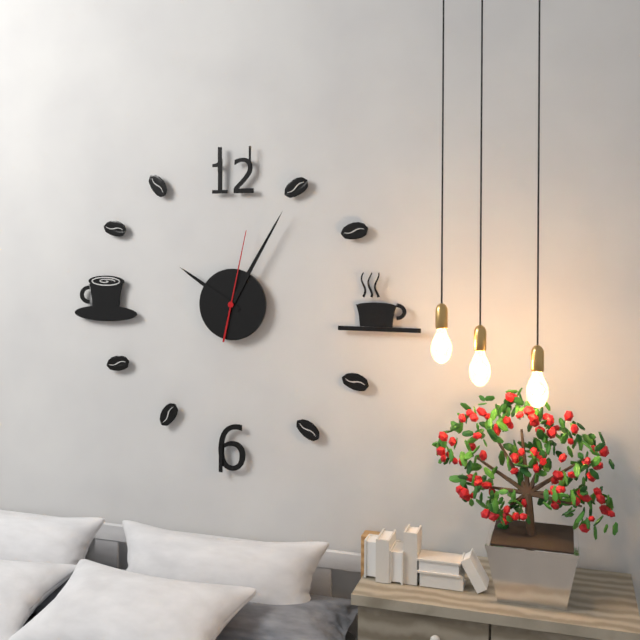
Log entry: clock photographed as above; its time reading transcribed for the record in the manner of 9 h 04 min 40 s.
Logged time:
10 h 05 min 02 s
